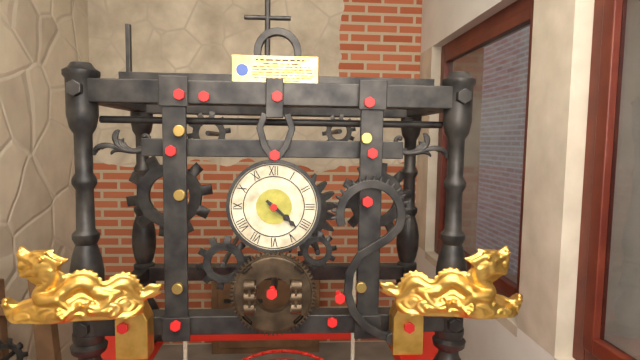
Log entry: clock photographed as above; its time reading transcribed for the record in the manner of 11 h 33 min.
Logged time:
4 h 22 min
